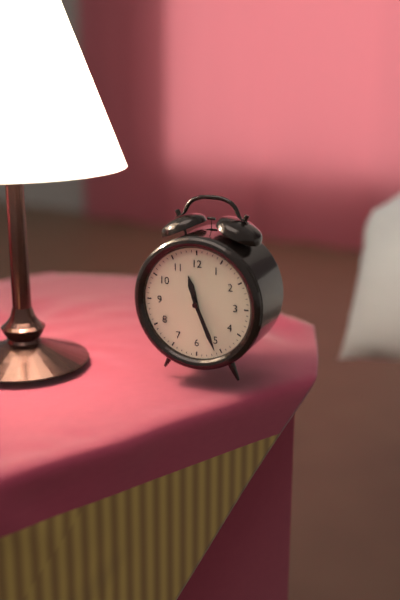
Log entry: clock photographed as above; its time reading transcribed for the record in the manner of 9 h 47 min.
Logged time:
11 h 26 min
